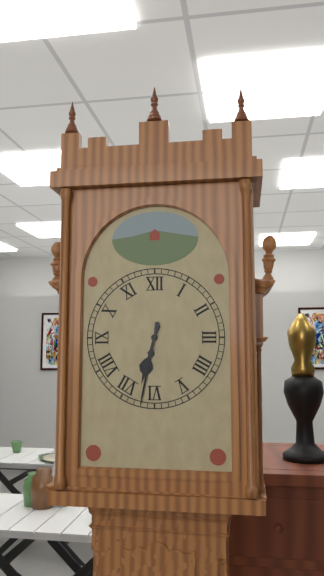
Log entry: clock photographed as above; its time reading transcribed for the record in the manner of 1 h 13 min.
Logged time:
6 h 32 min
